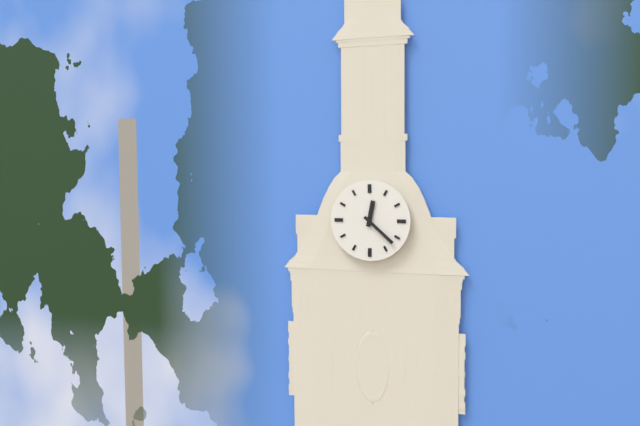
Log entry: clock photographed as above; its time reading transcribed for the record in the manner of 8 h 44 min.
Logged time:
12 h 22 min
